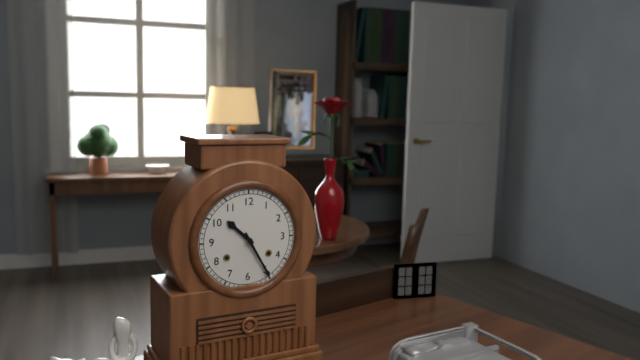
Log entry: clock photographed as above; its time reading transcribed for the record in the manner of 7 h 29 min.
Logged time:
10 h 25 min
